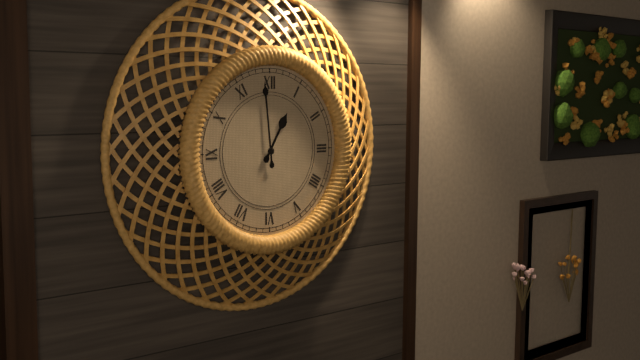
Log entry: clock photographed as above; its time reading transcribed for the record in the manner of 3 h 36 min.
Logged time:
12 h 59 min
